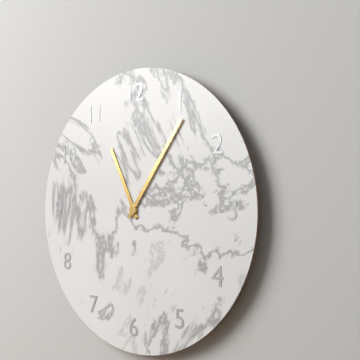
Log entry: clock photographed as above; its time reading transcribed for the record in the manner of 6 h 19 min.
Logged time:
11 h 06 min
